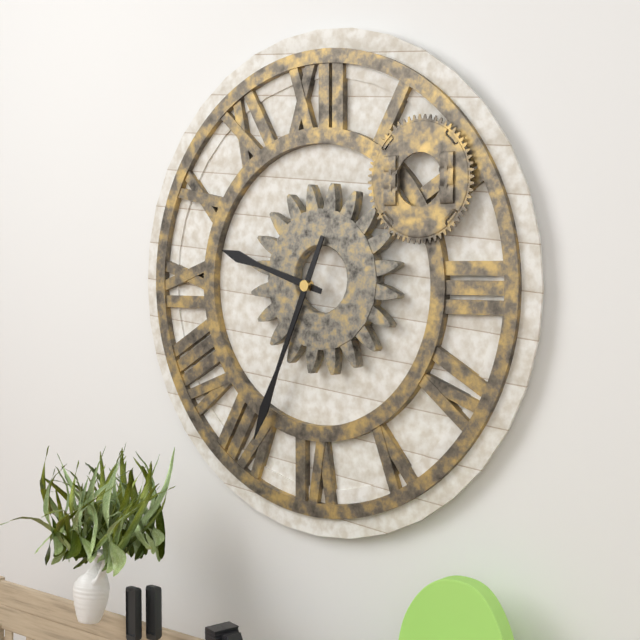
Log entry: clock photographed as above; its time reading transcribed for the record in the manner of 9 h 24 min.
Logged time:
9 h 34 min
